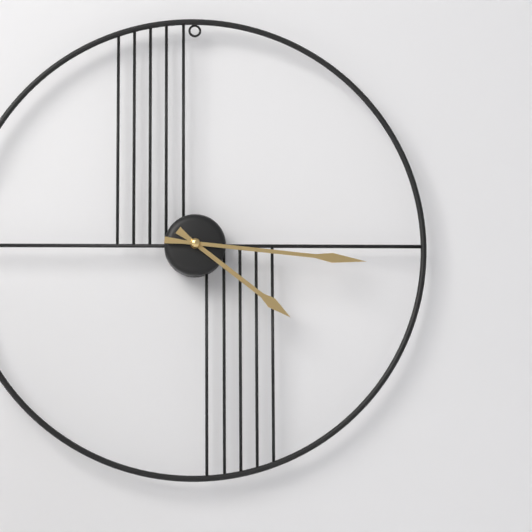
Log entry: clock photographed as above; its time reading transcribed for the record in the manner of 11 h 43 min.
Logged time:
4 h 16 min
